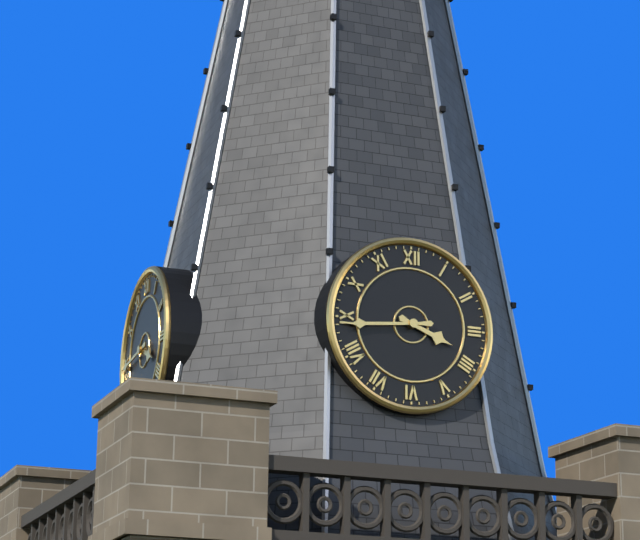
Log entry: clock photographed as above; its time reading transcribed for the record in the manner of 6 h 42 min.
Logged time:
3 h 44 min
